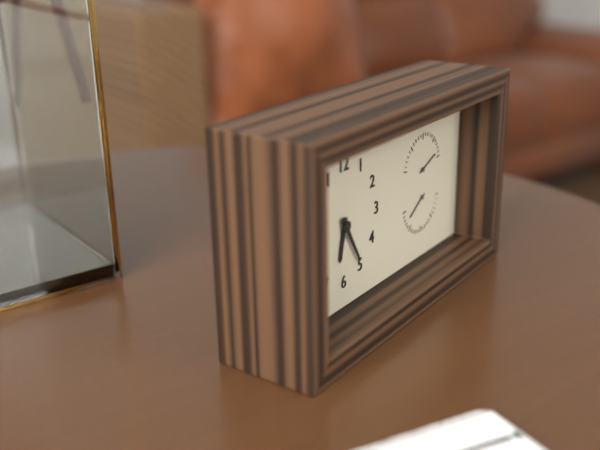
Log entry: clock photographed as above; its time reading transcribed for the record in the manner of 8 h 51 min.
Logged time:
6 h 25 min
